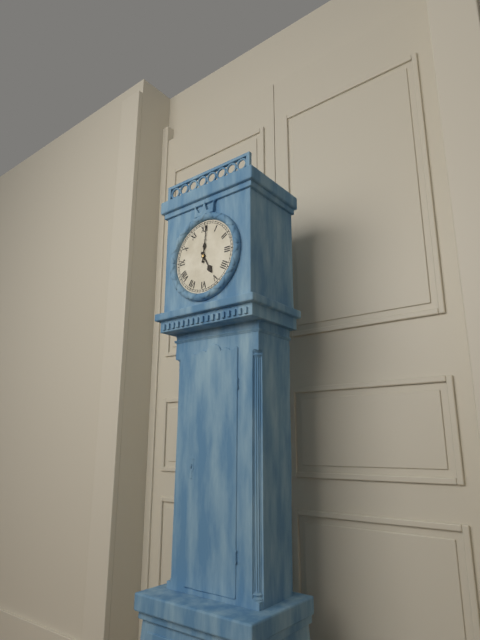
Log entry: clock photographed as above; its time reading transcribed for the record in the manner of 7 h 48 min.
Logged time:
5 h 01 min
